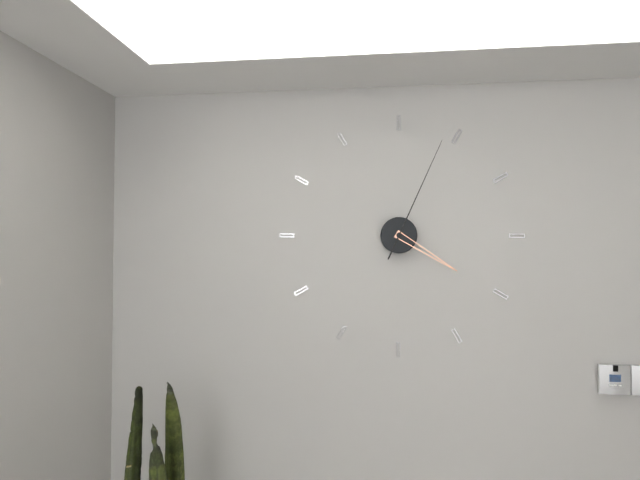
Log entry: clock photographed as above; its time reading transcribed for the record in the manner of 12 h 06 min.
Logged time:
4 h 04 min
